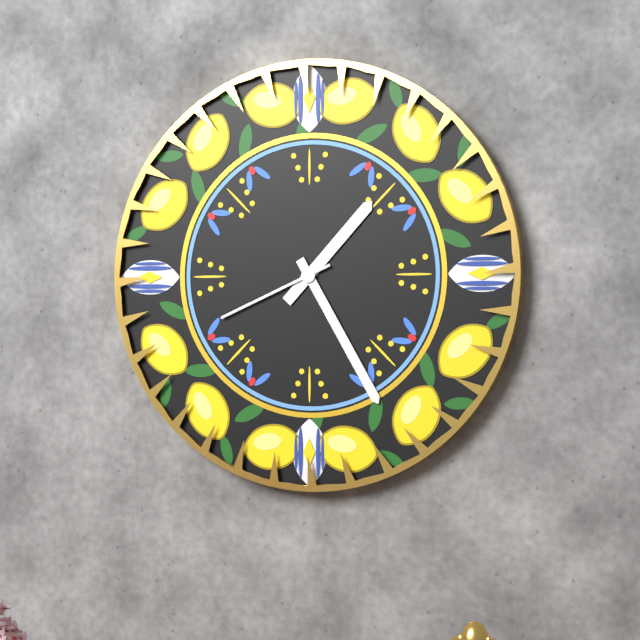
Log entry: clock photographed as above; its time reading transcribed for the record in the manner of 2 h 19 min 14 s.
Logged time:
1 h 25 min 41 s
